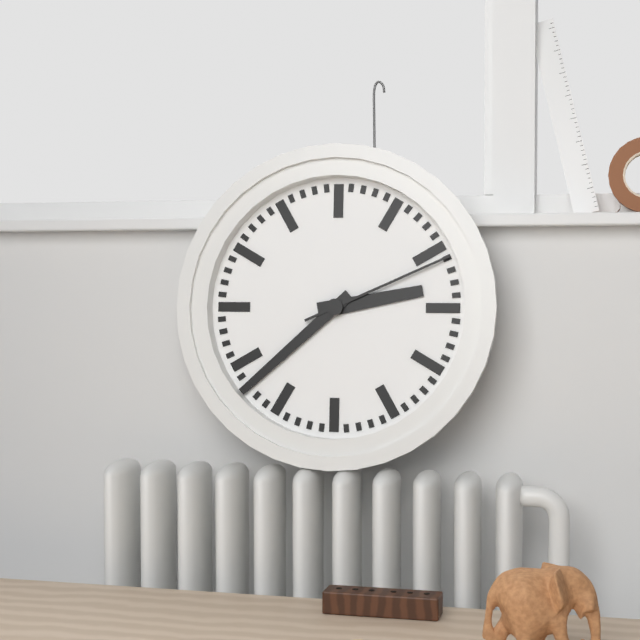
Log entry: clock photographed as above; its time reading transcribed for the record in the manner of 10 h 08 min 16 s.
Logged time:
2 h 38 min 11 s
